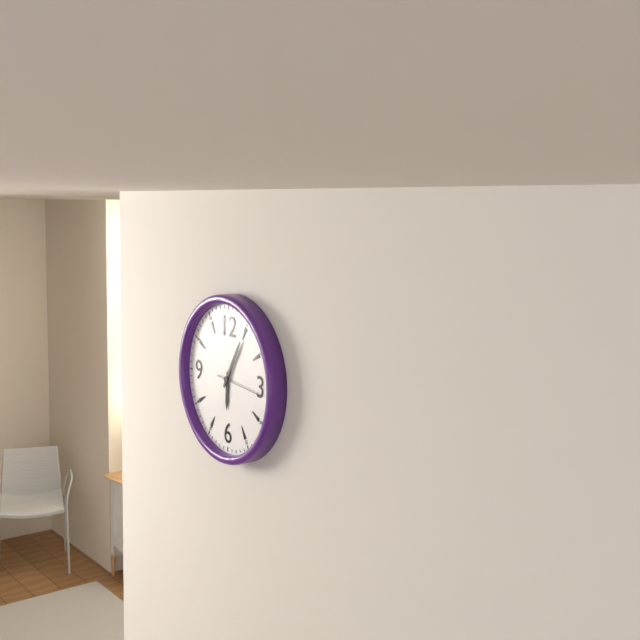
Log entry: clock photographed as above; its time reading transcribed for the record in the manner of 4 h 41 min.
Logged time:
6 h 05 min
